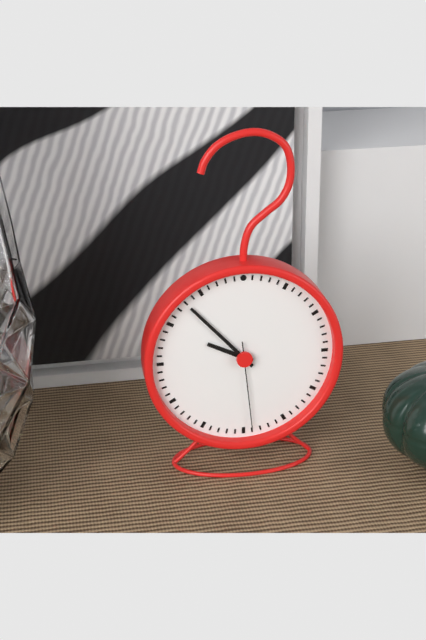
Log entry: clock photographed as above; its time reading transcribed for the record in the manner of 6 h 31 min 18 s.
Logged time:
9 h 53 min 29 s
